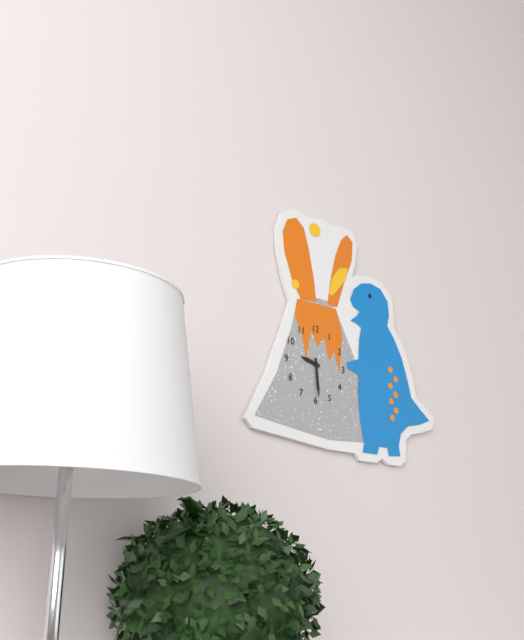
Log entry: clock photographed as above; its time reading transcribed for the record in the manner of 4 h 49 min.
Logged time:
9 h 29 min
